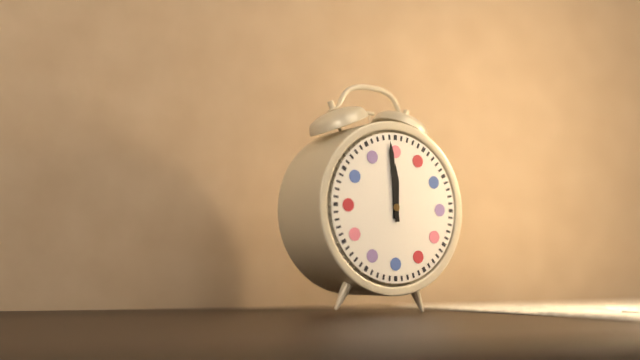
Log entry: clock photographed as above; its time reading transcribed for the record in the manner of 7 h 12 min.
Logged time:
11 h 59 min
